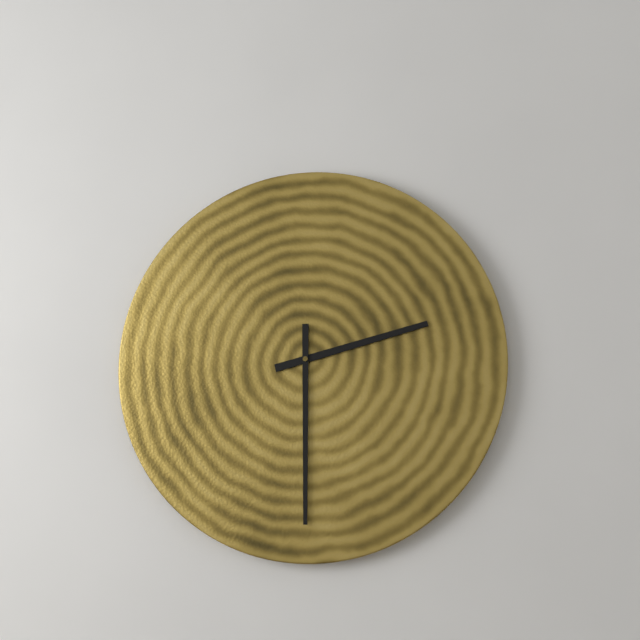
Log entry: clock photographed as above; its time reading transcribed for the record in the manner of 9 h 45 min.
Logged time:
2 h 30 min
